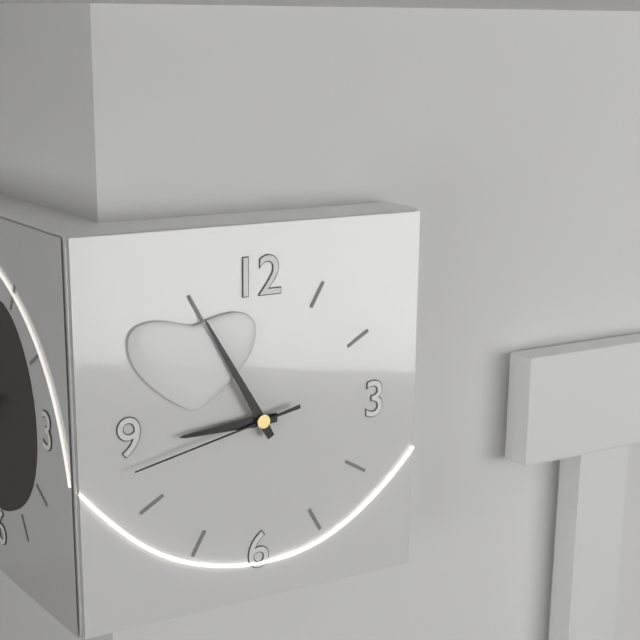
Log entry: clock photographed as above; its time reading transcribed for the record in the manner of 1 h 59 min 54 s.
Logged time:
8 h 55 min 43 s
